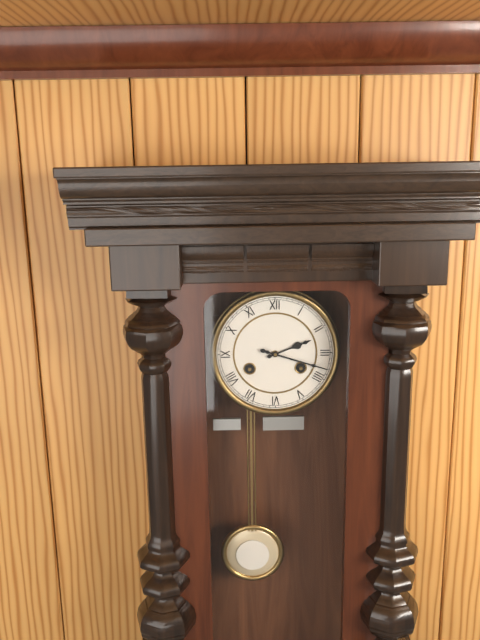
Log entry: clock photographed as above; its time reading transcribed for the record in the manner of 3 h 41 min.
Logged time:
2 h 18 min
